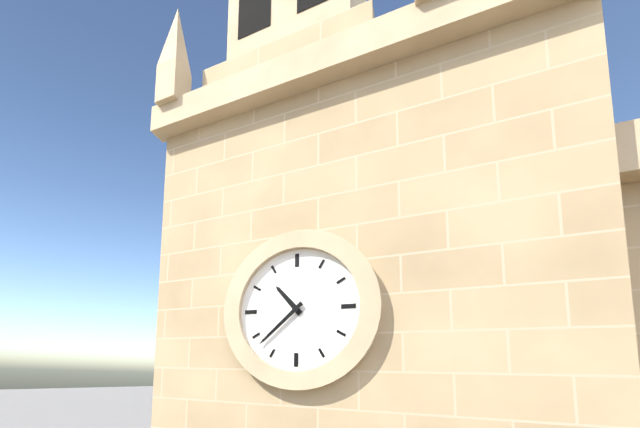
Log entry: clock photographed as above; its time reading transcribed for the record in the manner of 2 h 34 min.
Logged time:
10 h 38 min
